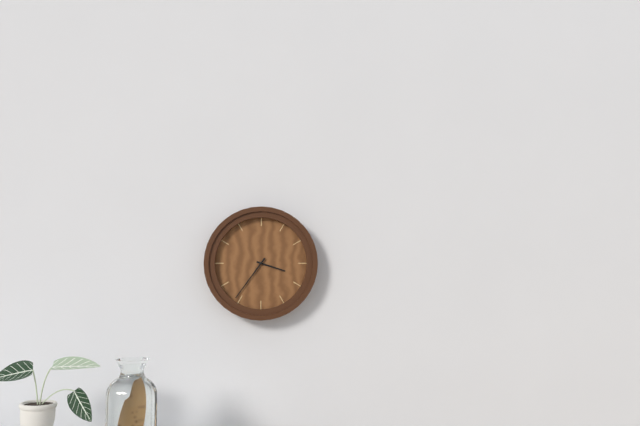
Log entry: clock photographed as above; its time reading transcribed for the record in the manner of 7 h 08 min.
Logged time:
3 h 36 min
